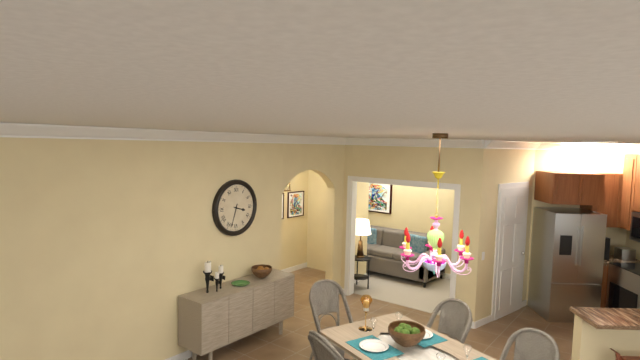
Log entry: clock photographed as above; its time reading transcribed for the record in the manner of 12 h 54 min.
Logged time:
3 h 33 min
